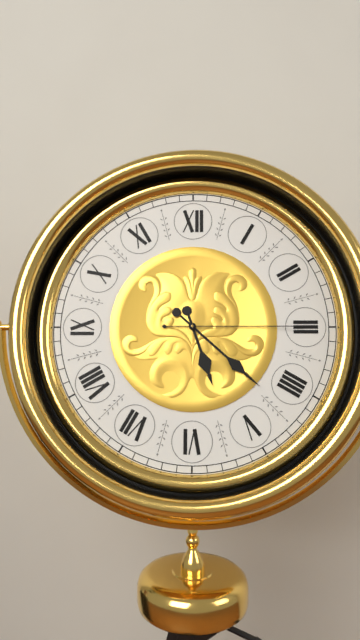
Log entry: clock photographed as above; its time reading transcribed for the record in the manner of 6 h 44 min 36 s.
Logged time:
5 h 22 min 15 s
